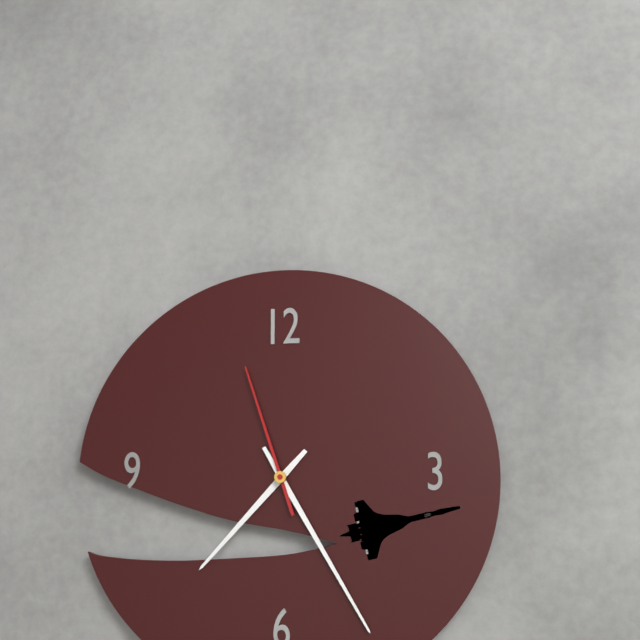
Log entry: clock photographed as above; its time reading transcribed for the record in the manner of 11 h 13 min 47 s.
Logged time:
7 h 25 min 57 s
